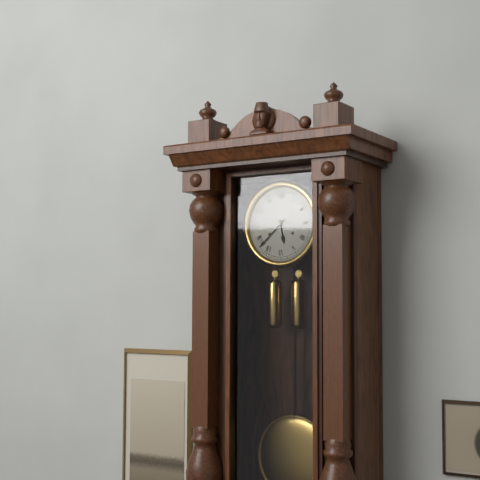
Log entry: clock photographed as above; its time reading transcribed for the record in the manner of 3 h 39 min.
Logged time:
5 h 38 min
